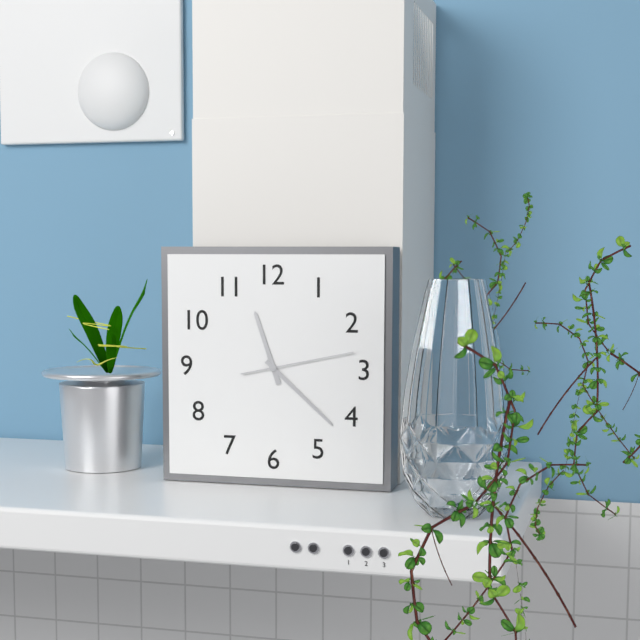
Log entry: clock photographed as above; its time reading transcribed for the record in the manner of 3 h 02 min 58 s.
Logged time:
11 h 22 min 13 s
